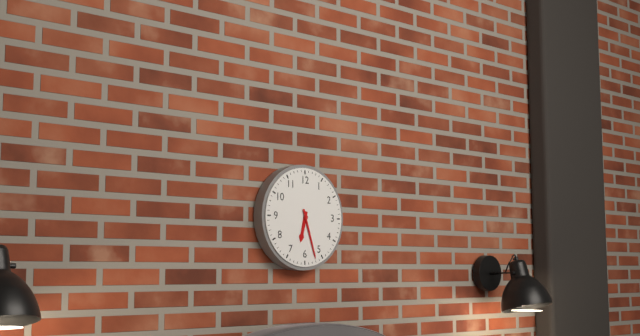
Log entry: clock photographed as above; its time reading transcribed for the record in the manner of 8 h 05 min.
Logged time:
6 h 27 min
